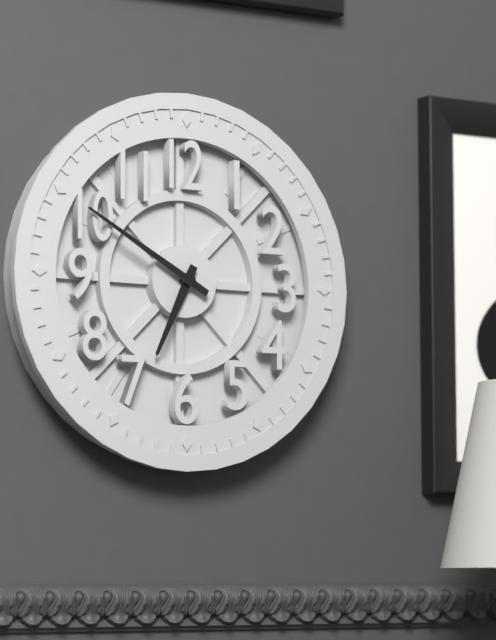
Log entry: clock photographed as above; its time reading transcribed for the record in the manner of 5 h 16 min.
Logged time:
6 h 50 min
